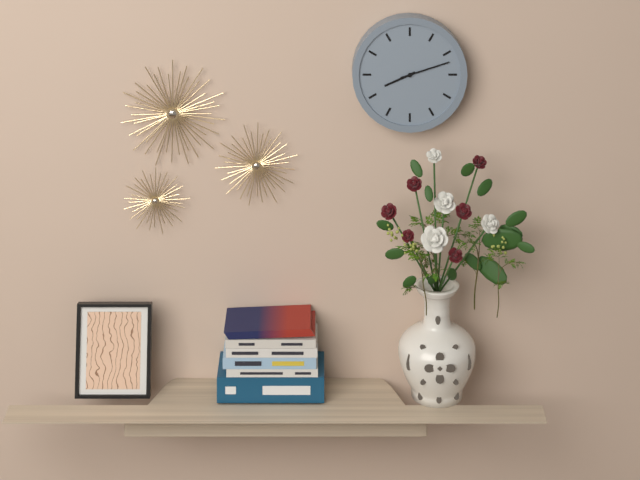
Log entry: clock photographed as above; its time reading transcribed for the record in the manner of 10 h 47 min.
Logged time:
8 h 12 min
